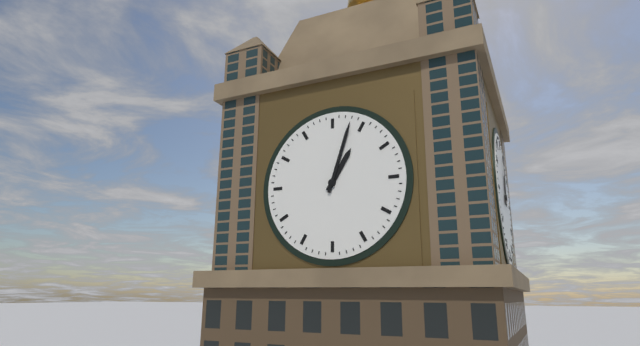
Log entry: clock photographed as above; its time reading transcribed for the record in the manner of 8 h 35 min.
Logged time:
1 h 03 min
